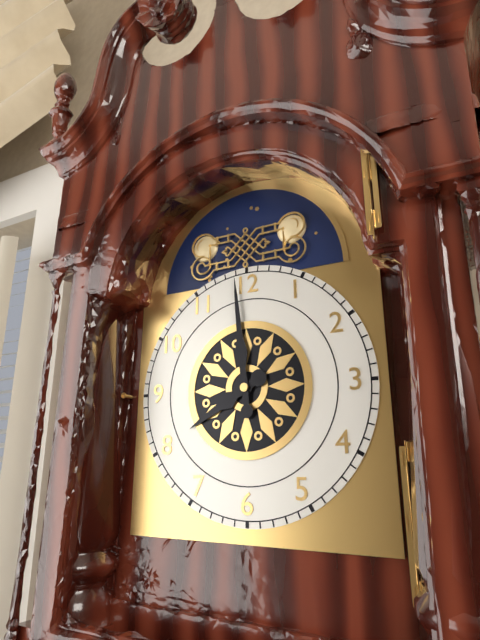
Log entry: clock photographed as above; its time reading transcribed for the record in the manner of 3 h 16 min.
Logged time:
7 h 59 min
